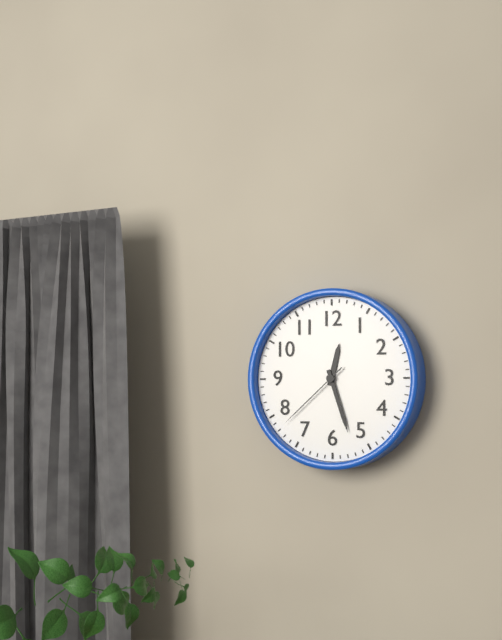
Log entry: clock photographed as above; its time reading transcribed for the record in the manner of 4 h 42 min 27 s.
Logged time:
12 h 27 min 38 s
